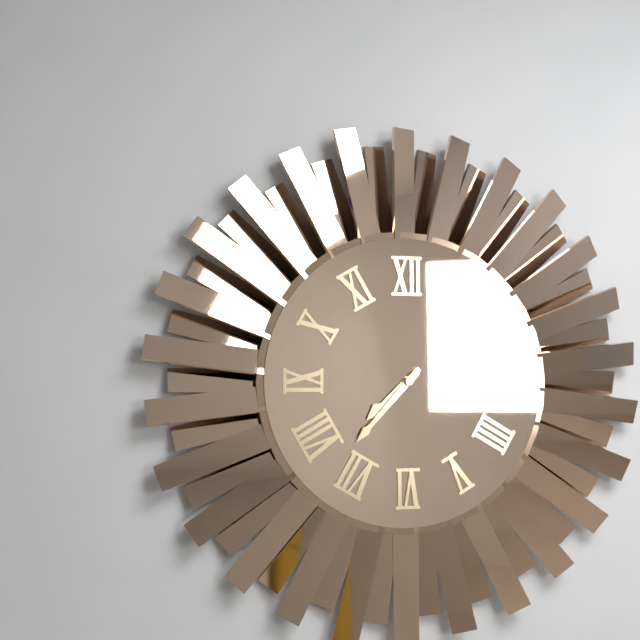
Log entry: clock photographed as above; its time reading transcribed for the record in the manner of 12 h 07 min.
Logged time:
7 h 37 min
